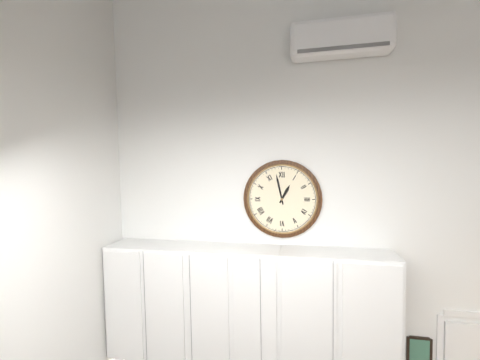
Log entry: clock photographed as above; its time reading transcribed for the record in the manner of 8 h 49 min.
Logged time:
12 h 58 min
